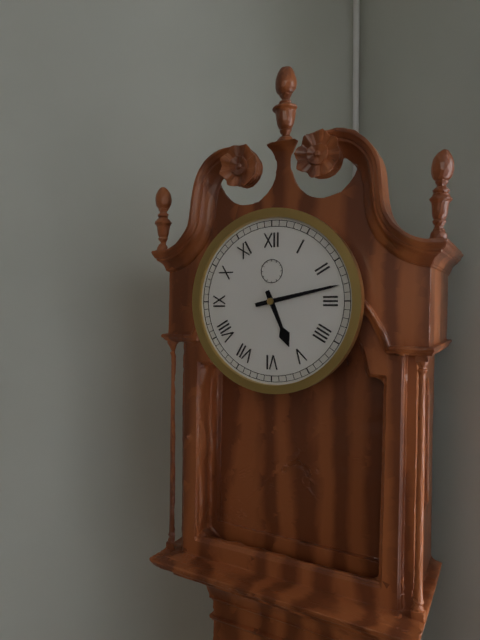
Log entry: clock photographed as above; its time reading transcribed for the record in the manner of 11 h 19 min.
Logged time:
5 h 13 min
